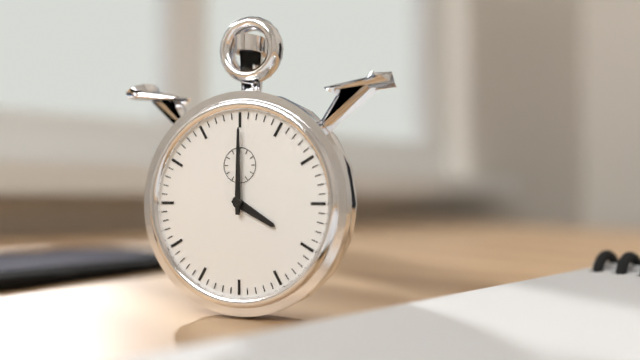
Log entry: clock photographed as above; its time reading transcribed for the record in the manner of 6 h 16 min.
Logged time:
4 h 00 min
